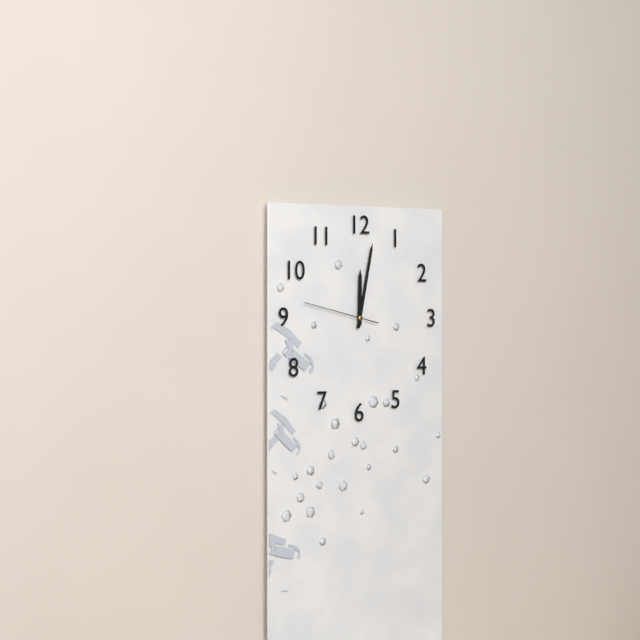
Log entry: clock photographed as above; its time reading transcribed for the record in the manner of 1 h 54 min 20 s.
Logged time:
12 h 02 min 47 s
